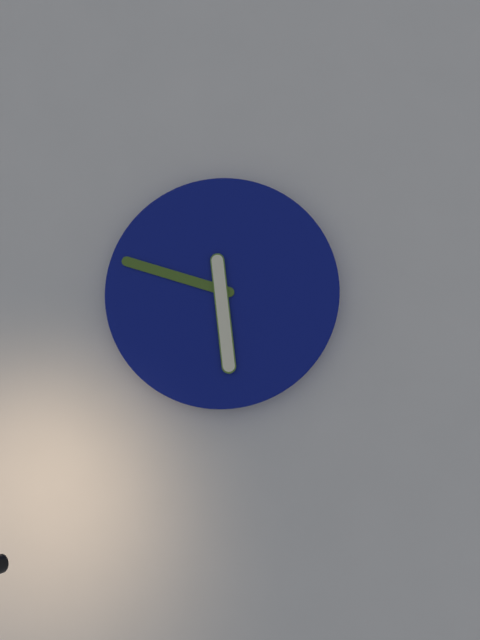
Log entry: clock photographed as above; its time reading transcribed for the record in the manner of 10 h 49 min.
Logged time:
5 h 48 min
